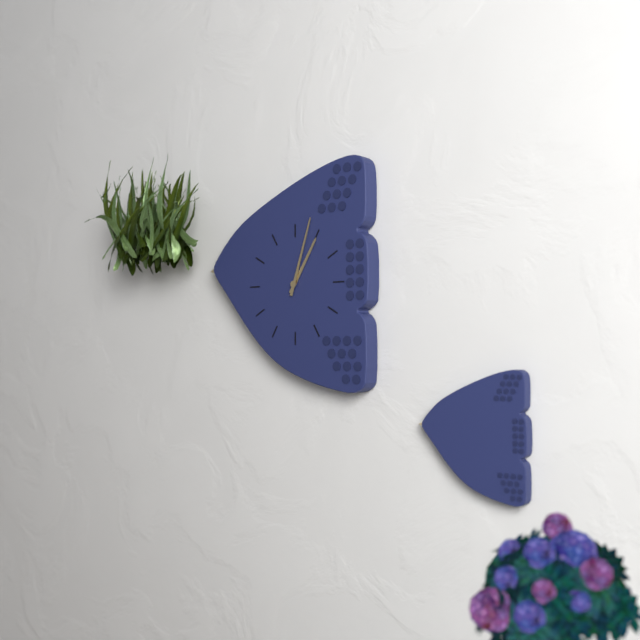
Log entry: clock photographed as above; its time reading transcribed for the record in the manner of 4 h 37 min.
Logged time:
1 h 03 min
